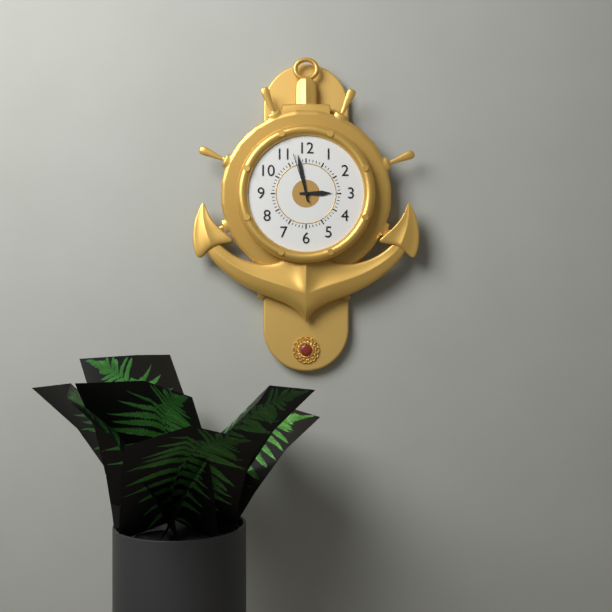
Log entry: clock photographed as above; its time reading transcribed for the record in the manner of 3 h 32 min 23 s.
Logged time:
2 h 58 min 57 s
